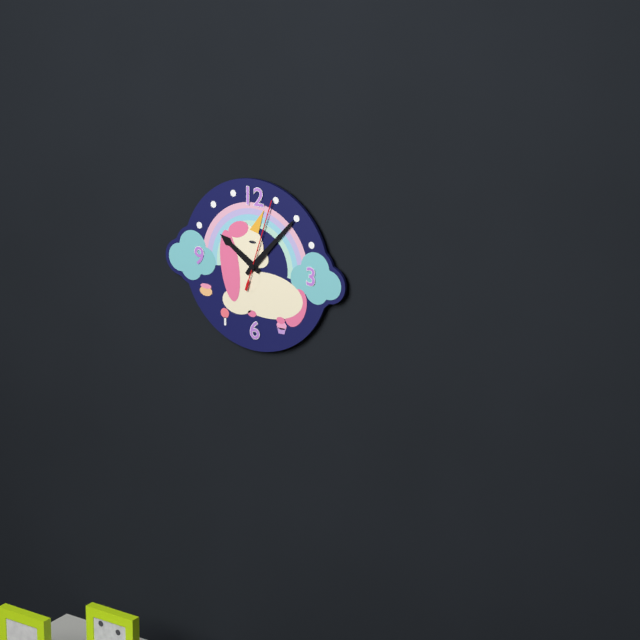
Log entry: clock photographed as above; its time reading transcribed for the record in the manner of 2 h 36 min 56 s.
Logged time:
10 h 07 min 03 s
